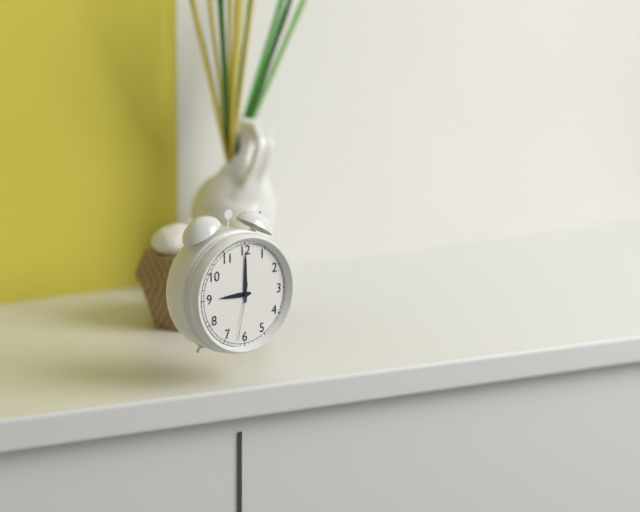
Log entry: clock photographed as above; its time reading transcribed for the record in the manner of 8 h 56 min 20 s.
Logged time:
9 h 00 min 32 s
